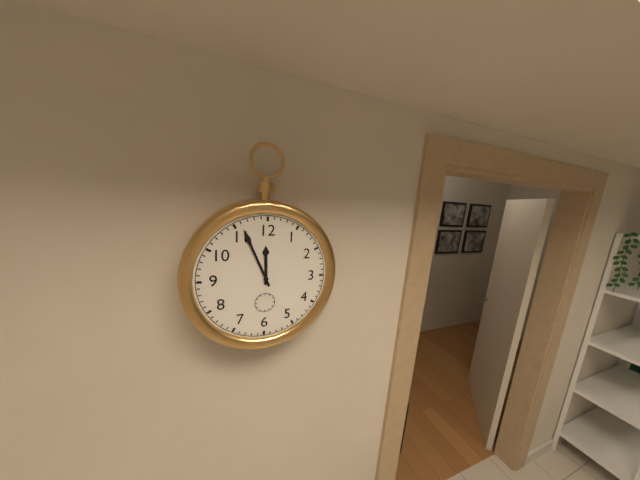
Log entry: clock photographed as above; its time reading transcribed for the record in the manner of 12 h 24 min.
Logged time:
11 h 56 min
